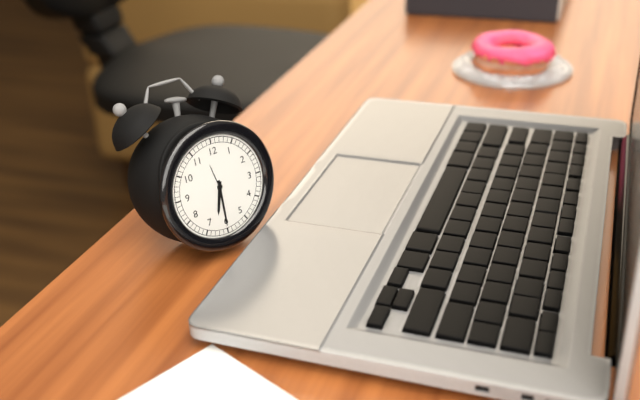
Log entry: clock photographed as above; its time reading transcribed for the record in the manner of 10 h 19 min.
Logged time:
6 h 30 min
